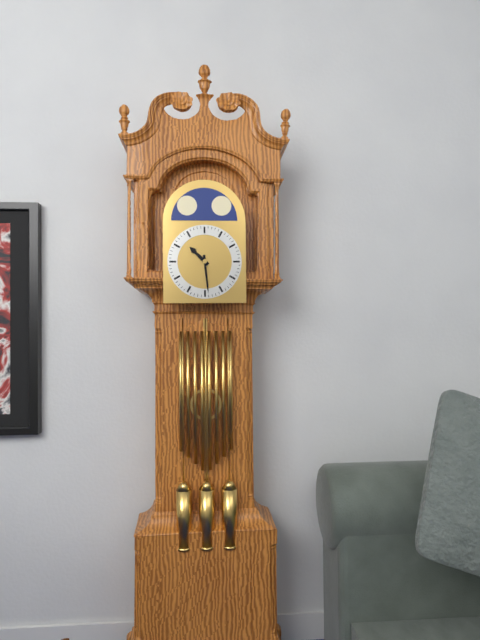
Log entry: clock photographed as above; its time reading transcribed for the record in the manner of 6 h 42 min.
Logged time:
10 h 29 min
